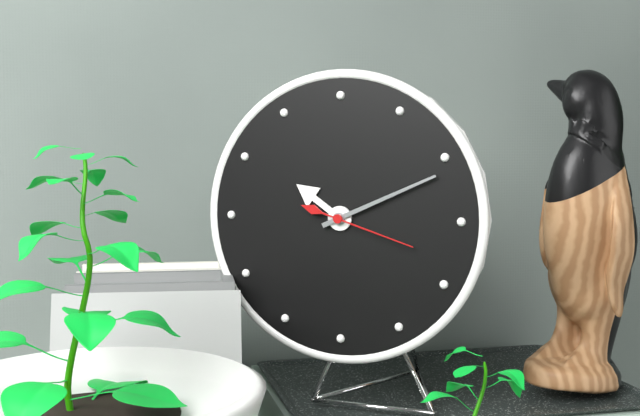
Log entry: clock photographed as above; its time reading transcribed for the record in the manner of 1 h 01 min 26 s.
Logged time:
10 h 11 min 18 s
